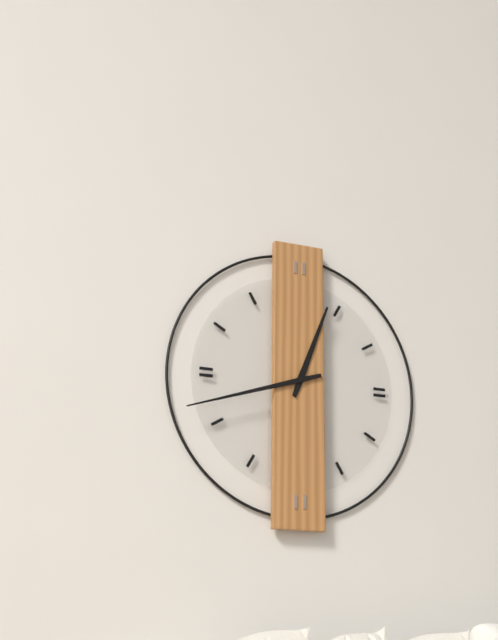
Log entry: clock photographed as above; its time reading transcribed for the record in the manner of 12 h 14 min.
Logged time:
12 h 42 min
